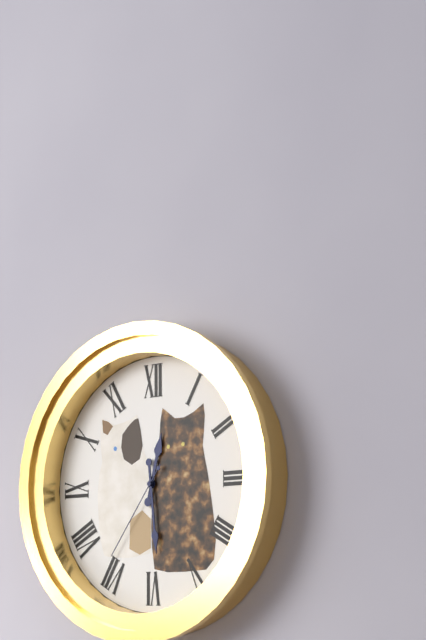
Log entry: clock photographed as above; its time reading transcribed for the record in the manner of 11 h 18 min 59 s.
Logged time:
12 h 29 min 36 s
